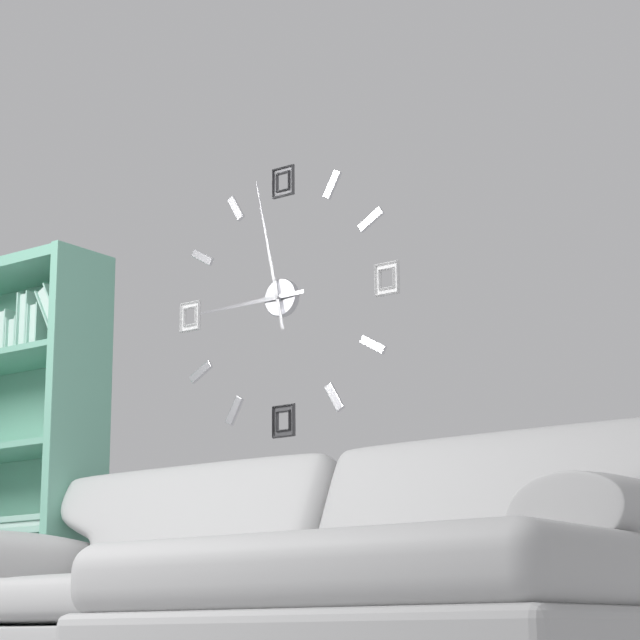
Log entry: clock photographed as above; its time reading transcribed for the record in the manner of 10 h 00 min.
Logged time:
8 h 58 min
